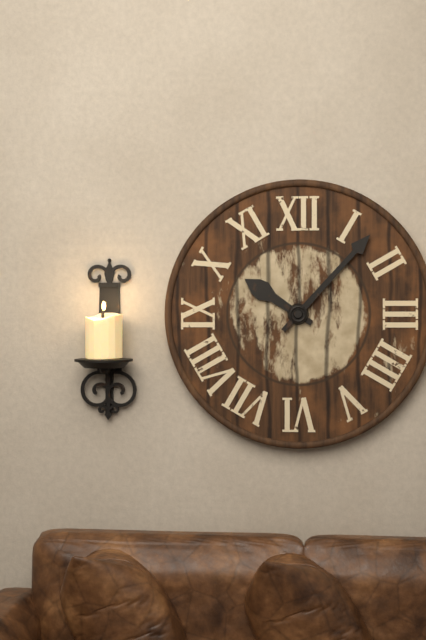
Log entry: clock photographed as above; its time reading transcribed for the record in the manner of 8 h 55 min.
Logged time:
10 h 07 min
